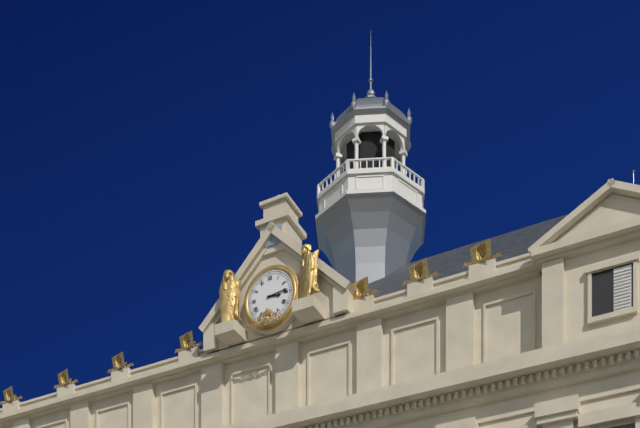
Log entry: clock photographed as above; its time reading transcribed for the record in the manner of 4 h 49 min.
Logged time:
3 h 14 min
